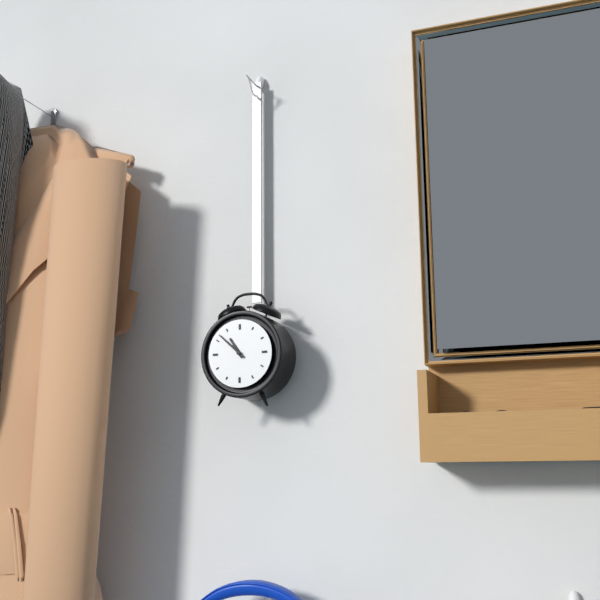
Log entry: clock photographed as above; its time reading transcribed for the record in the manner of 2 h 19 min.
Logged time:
10 h 52 min
